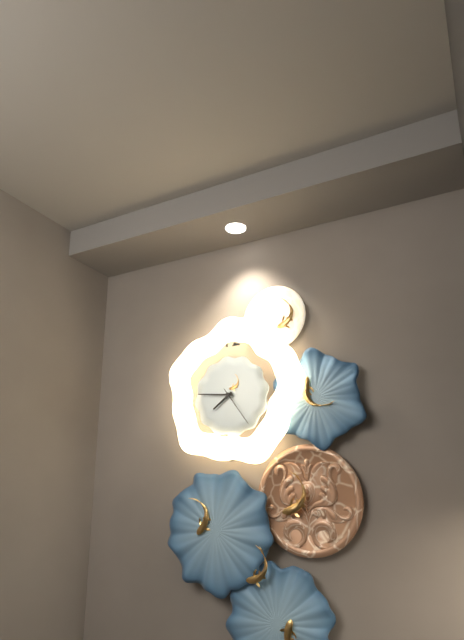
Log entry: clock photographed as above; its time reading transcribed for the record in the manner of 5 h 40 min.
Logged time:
7 h 46 min
